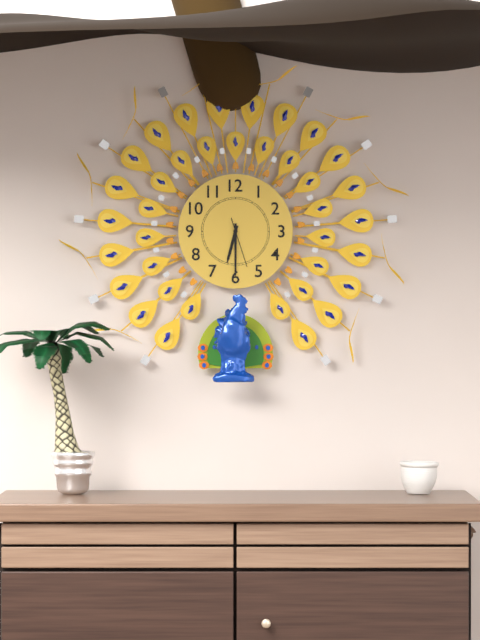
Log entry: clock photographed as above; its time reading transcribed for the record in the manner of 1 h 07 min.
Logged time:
6 h 30 min
